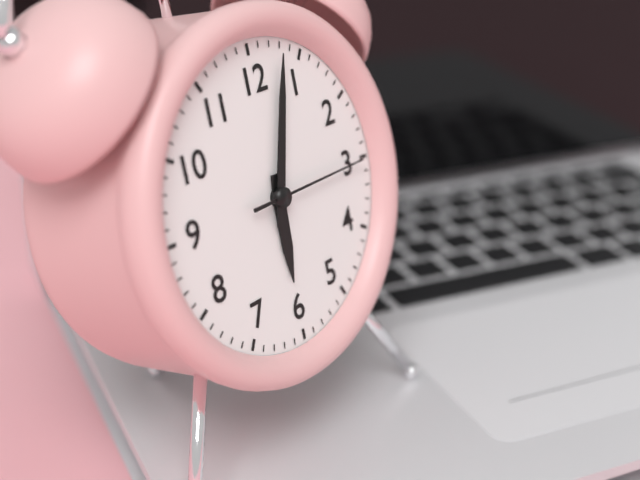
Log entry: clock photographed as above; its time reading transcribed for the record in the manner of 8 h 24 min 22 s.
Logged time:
6 h 03 min 15 s
